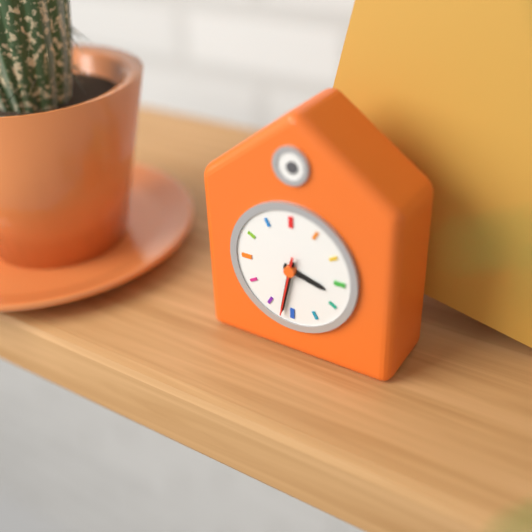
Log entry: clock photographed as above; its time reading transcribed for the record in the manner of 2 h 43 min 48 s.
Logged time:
3 h 32 min 32 s
